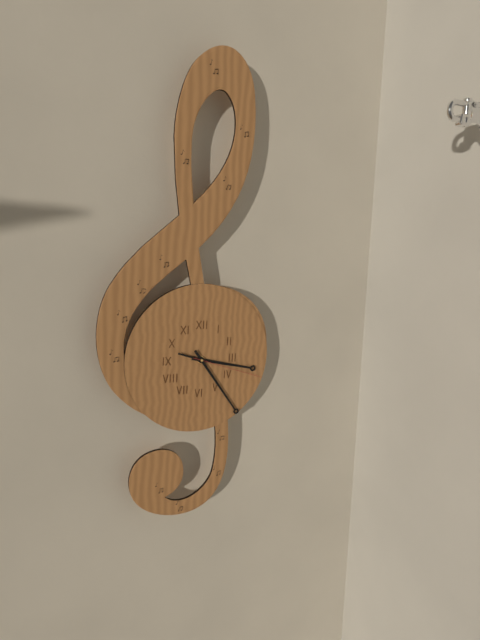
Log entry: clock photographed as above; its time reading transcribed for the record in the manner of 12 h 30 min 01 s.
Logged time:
3 h 24 min 18 s
